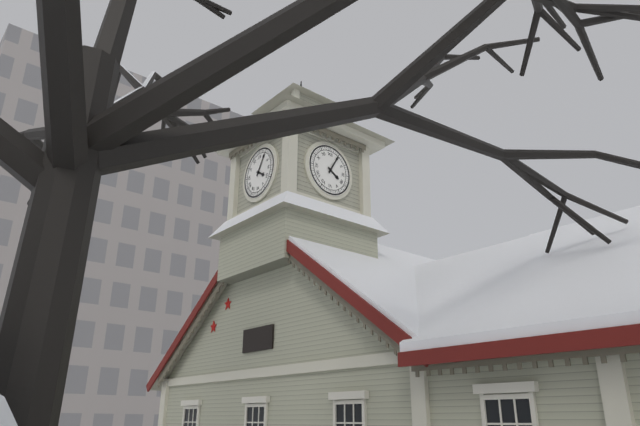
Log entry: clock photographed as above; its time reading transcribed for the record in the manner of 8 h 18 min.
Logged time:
4 h 05 min
